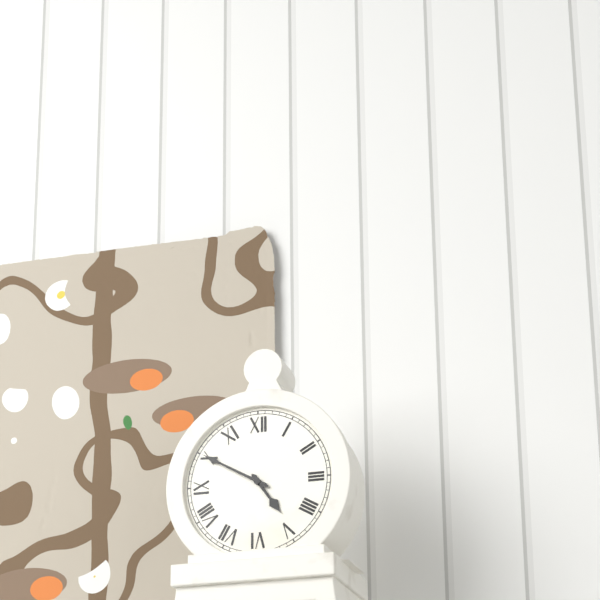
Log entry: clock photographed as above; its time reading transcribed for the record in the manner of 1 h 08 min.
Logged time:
4 h 50 min
